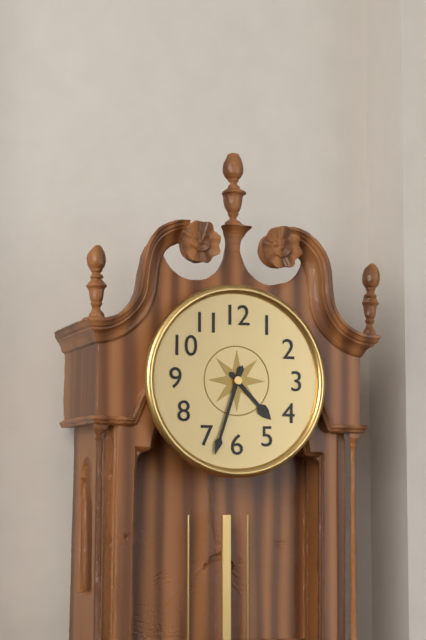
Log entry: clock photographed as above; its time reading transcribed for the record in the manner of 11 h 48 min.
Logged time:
4 h 33 min
